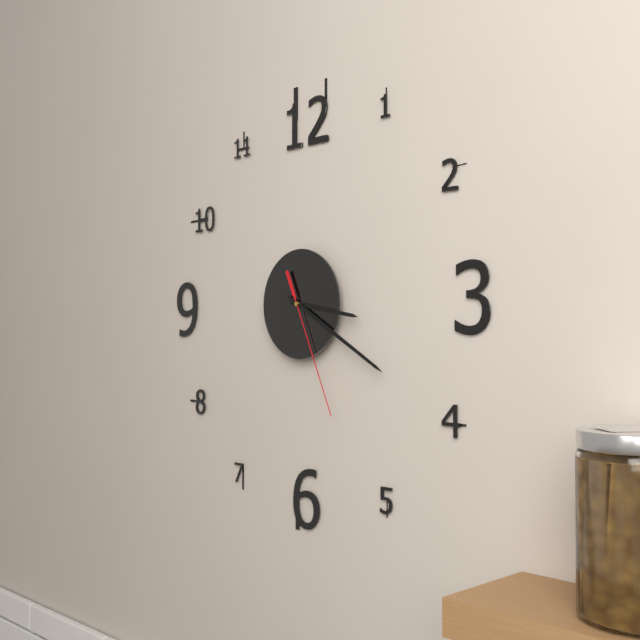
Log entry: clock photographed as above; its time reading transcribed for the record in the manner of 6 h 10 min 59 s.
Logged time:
3 h 20 min 26 s
